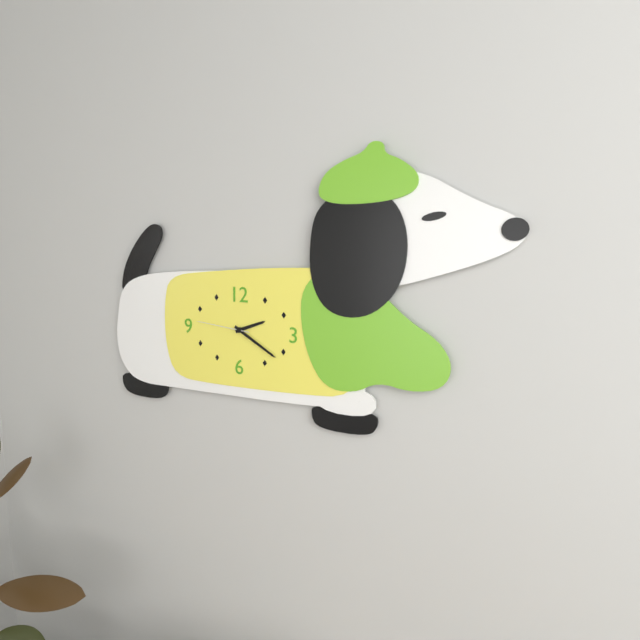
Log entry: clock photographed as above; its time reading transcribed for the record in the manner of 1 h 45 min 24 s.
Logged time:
2 h 20 min 46 s
